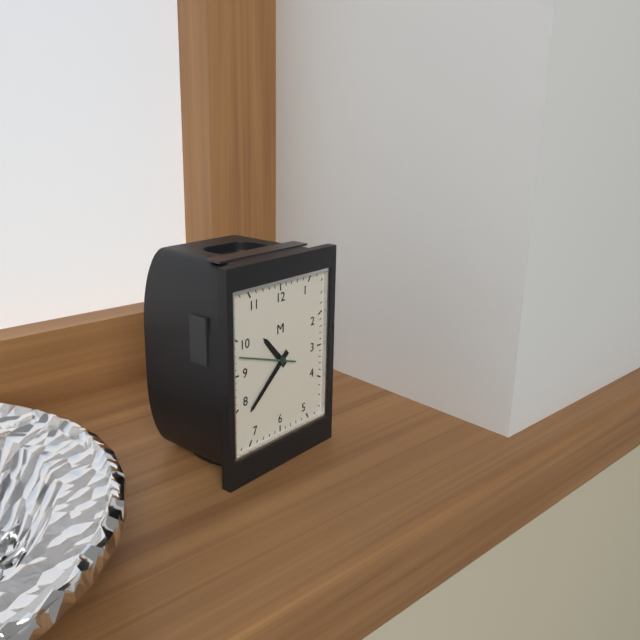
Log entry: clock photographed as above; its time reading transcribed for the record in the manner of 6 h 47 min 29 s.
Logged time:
10 h 38 min 48 s
